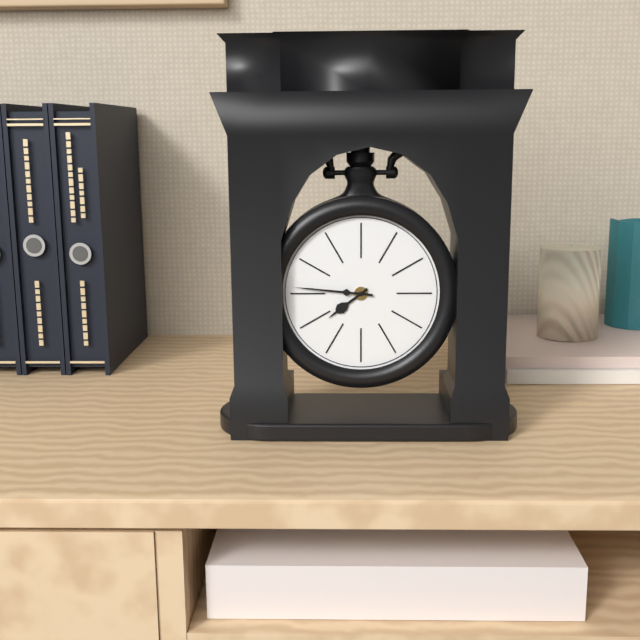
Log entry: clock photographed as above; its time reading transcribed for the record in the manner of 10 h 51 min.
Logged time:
7 h 46 min
